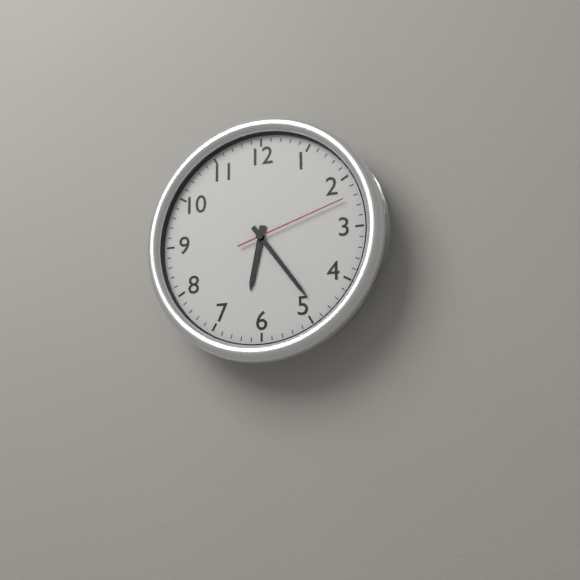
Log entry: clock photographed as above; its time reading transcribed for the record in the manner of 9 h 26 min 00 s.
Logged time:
6 h 24 min 12 s
